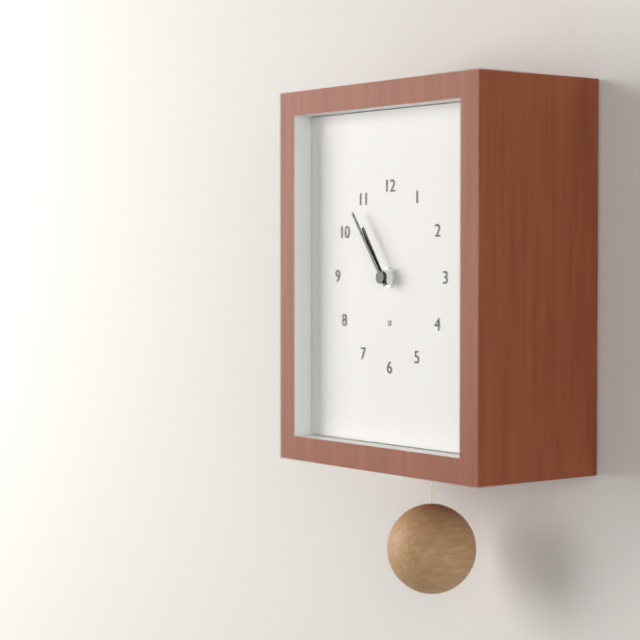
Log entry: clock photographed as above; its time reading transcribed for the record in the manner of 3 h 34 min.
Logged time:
10 h 54 min
